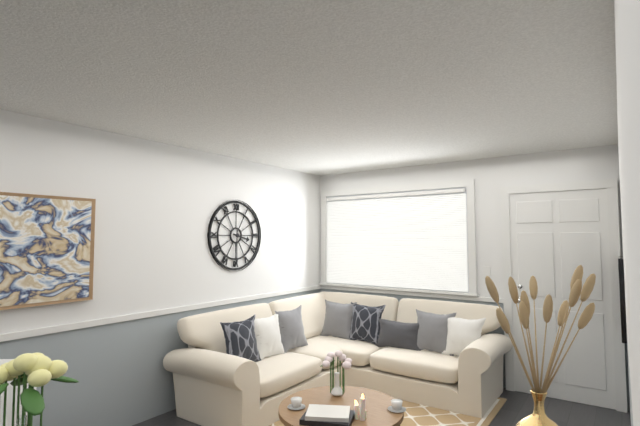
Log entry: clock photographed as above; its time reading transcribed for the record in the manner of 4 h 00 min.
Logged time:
3 h 30 min
